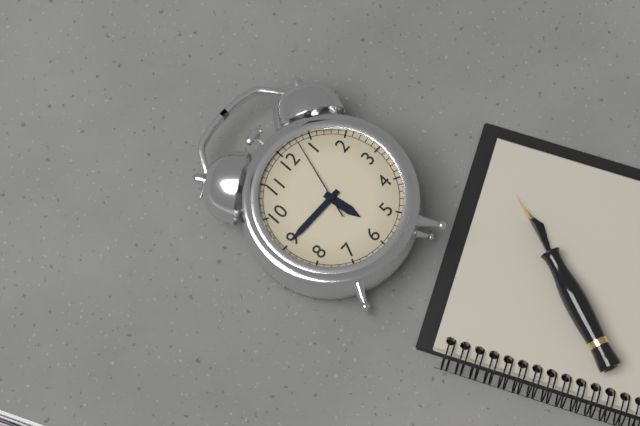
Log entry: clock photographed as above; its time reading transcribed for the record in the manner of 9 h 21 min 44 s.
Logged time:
5 h 45 min 03 s
